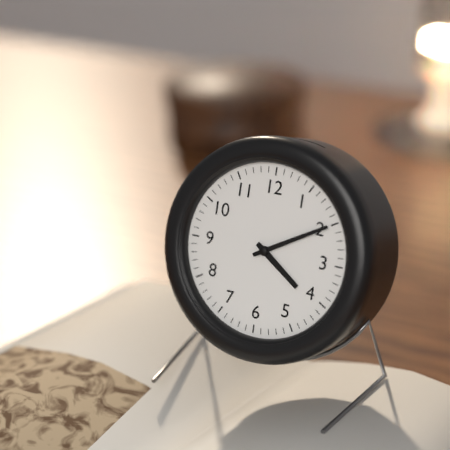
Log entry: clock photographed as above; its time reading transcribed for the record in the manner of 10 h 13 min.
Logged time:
4 h 10 min
